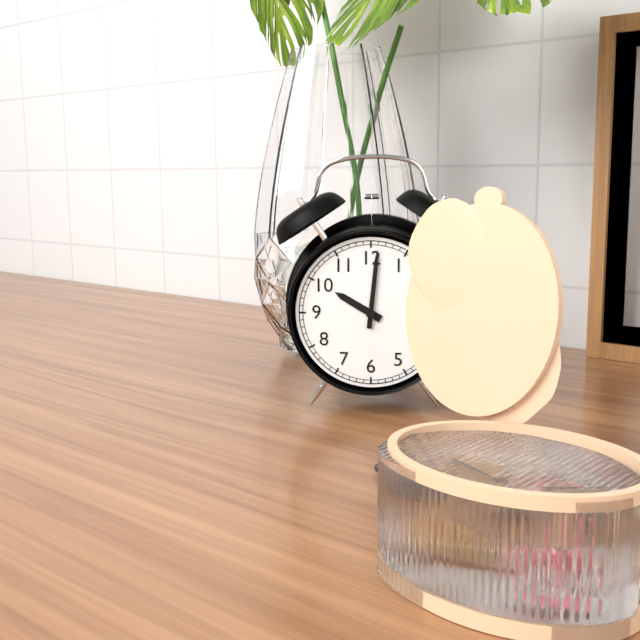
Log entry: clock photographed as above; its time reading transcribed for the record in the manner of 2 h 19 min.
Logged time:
10 h 01 min
